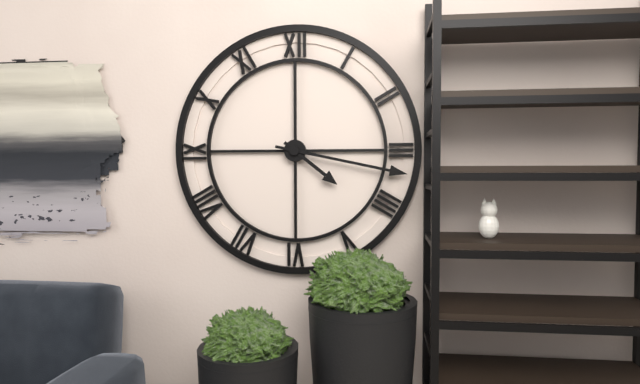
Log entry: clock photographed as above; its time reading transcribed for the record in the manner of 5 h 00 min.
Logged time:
4 h 17 min
